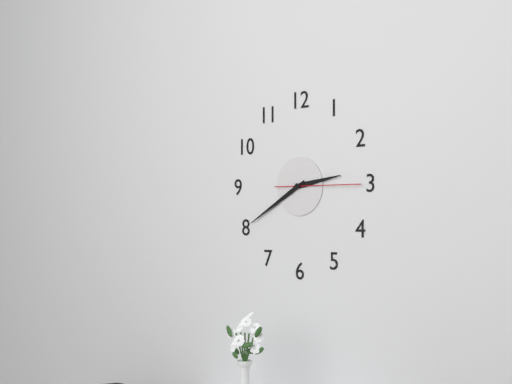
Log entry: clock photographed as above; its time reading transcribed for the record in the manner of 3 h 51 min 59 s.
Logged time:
2 h 40 min 15 s
